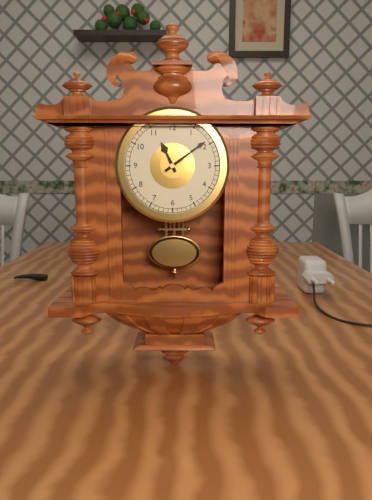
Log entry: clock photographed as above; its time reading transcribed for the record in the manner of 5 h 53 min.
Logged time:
11 h 09 min
